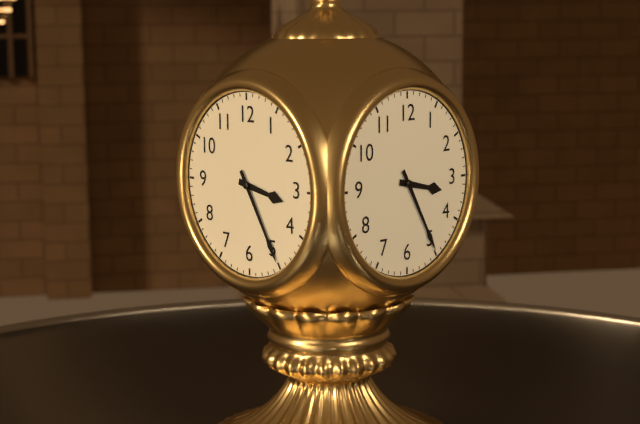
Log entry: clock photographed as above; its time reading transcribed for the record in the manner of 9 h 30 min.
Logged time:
3 h 25 min
